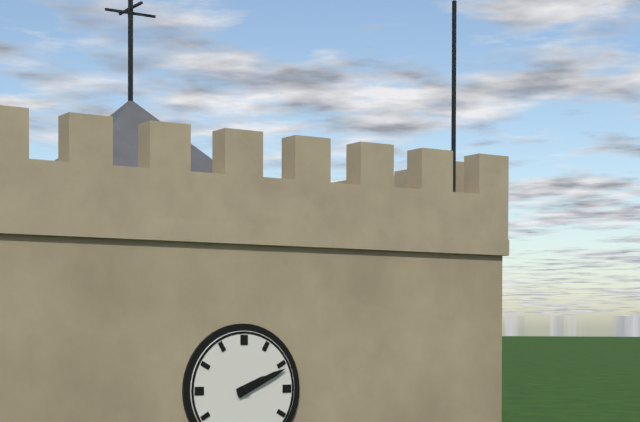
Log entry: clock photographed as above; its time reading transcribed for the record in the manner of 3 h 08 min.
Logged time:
2 h 11 min
